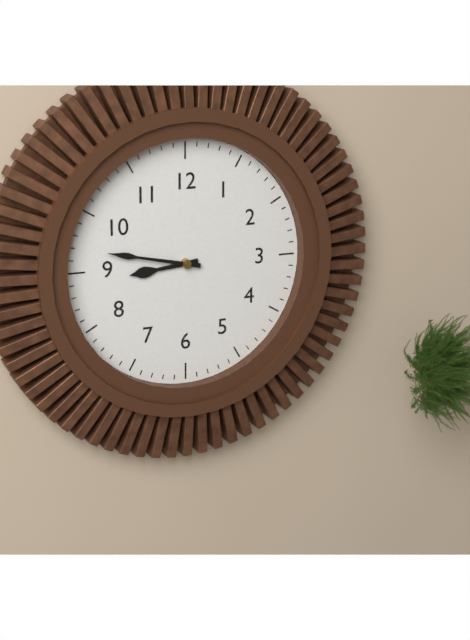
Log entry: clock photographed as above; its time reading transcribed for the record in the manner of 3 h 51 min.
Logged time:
8 h 47 min
